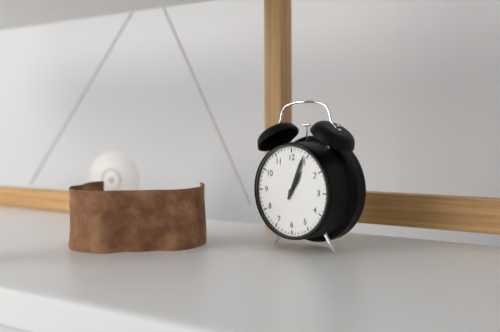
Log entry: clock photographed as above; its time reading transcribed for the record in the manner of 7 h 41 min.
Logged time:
1 h 04 min
